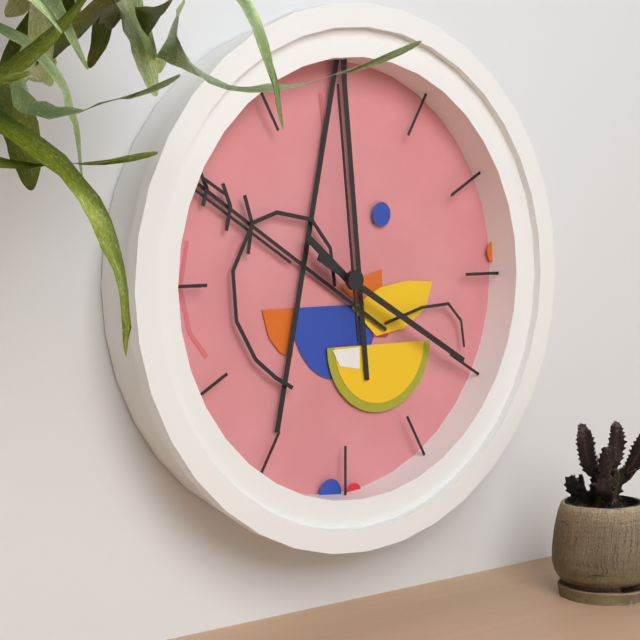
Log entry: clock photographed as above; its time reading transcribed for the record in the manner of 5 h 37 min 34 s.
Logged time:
10 h 20 min 59 s
